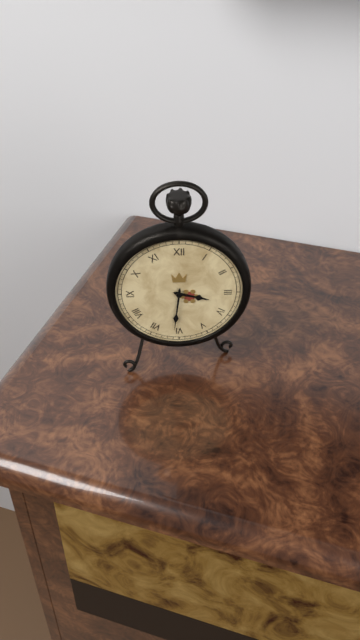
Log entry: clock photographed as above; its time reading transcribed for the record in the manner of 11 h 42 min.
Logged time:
3 h 31 min
